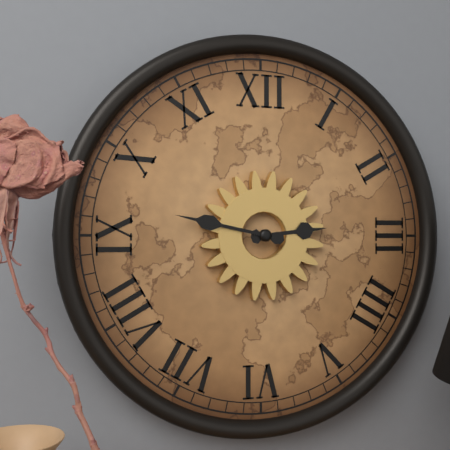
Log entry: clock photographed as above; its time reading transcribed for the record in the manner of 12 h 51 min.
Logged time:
2 h 47 min
